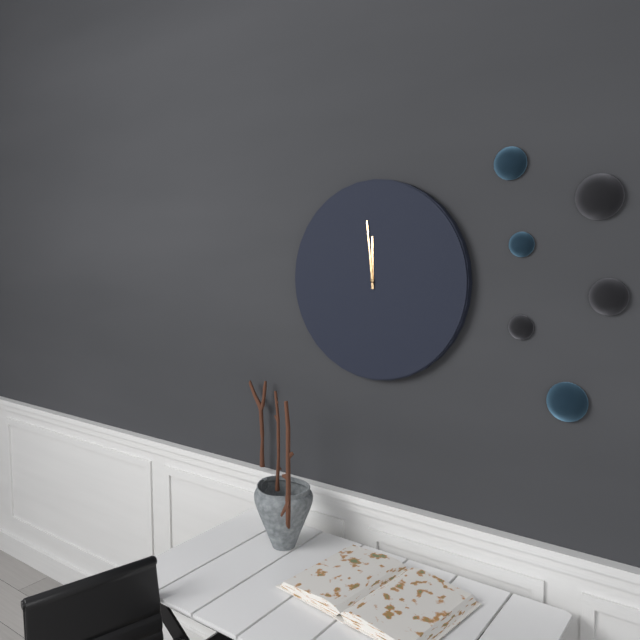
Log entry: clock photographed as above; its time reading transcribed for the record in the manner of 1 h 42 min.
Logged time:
11 h 59 min
